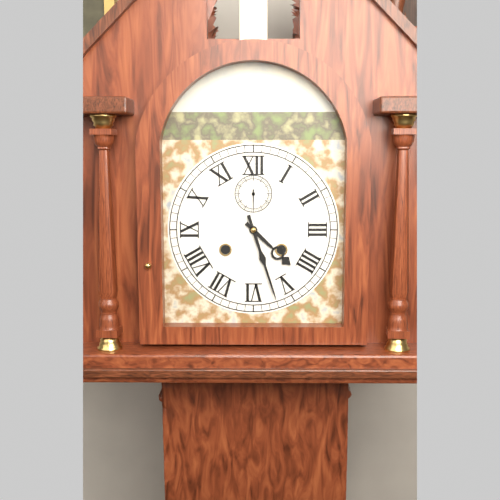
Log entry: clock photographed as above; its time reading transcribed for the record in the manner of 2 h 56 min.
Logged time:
4 h 27 min
